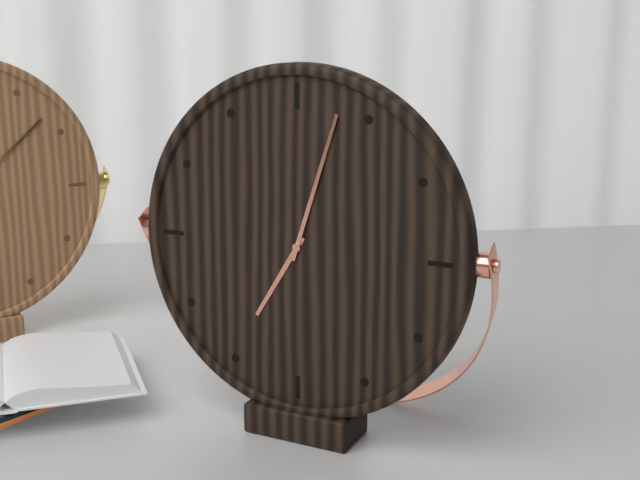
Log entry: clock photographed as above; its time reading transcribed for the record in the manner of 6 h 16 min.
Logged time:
7 h 03 min
